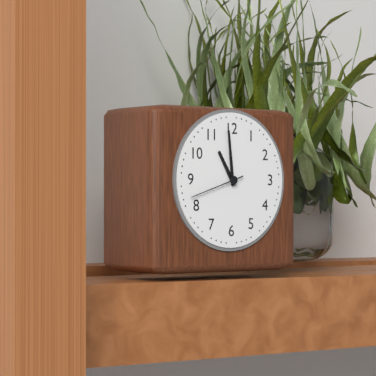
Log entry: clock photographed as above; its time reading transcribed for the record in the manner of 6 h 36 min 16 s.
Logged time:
10 h 59 min 42 s
